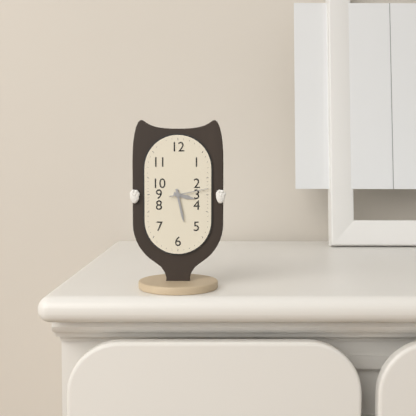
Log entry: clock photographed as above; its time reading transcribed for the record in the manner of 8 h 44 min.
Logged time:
3 h 28 min
